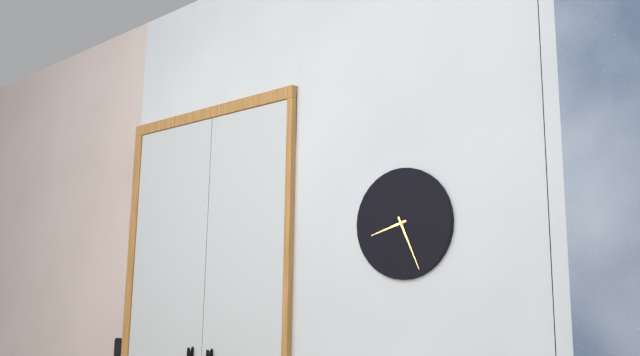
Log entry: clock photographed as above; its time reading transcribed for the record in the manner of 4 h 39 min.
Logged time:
8 h 26 min
